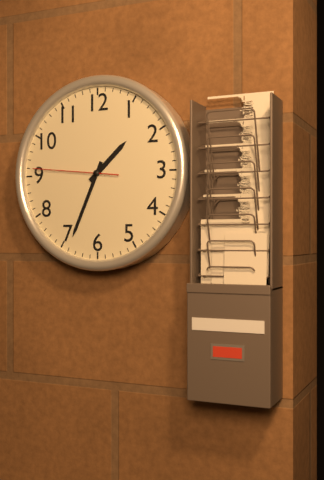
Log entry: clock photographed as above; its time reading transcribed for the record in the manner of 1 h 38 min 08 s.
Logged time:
1 h 34 min 46 s
